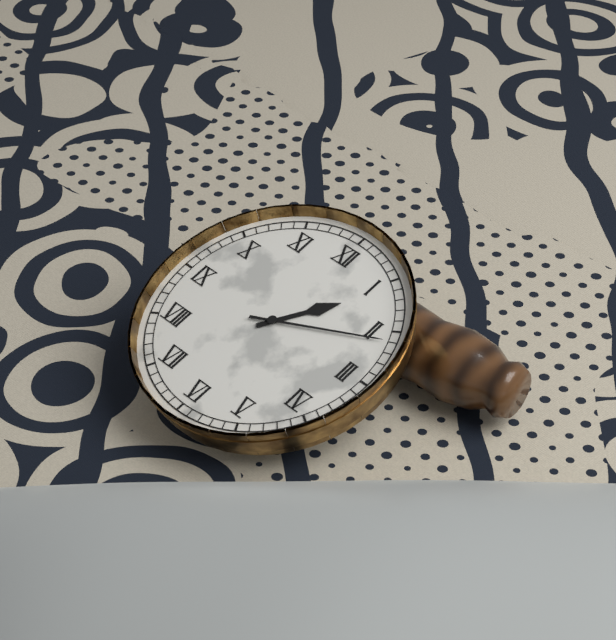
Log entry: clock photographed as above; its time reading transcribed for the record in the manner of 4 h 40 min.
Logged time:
1 h 11 min
